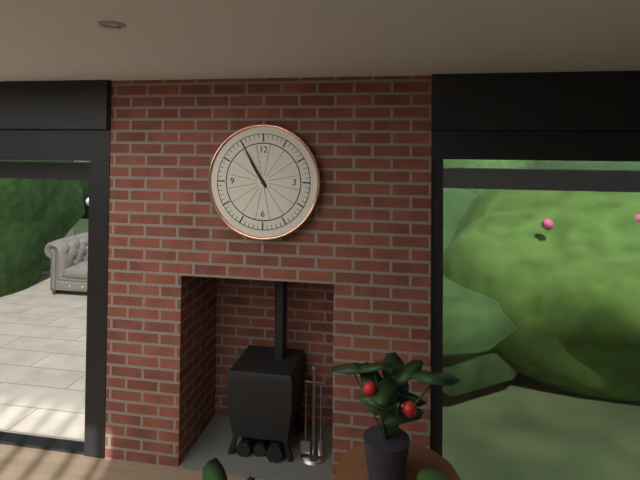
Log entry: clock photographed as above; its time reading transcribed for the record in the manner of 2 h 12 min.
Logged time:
10 h 55 min
